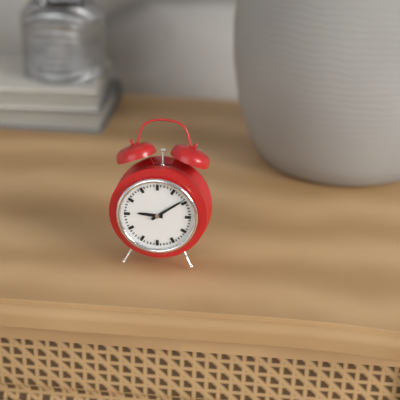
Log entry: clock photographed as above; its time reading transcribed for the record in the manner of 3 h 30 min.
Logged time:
9 h 09 min
